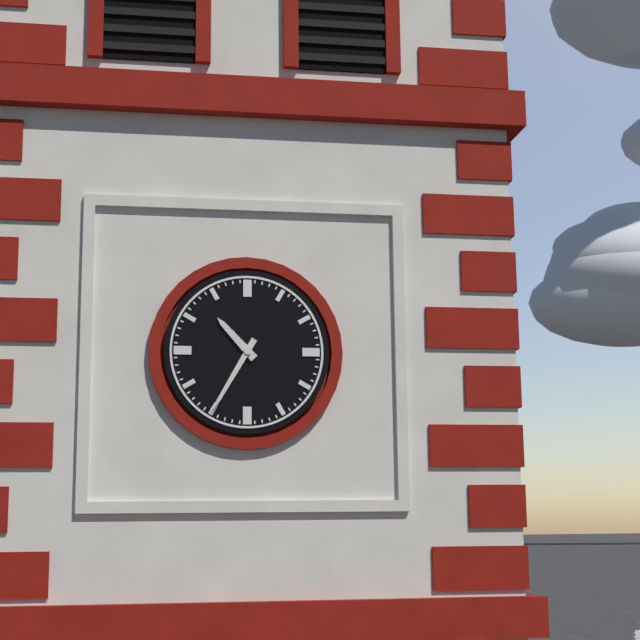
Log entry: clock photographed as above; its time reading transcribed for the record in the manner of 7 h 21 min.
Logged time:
10 h 35 min
